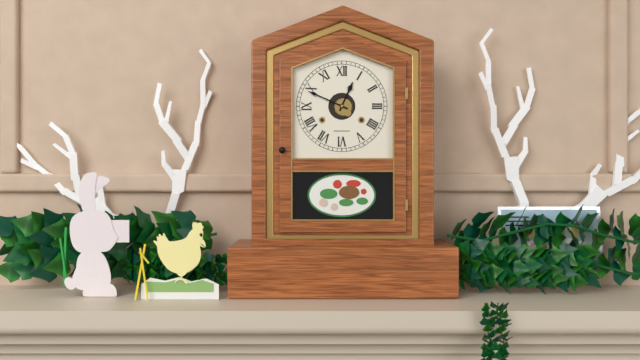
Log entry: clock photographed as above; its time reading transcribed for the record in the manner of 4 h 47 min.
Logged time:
12 h 49 min
